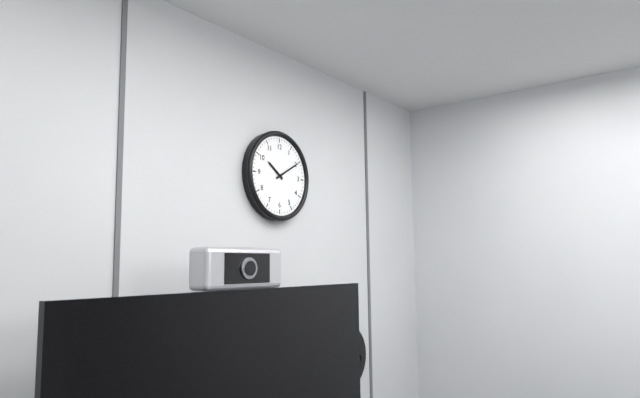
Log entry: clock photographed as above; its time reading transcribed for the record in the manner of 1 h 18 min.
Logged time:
10 h 10 min
